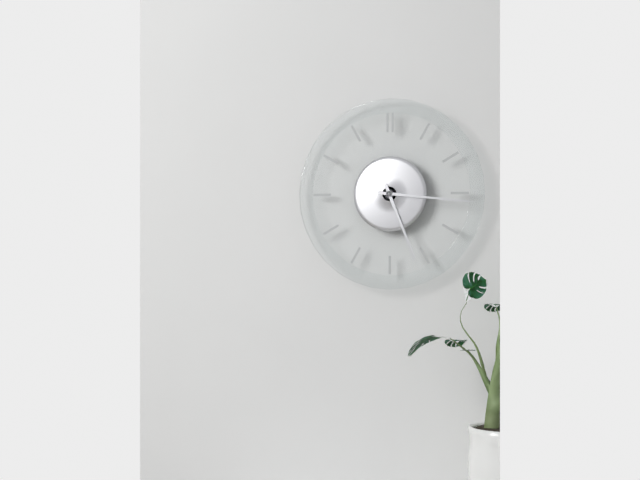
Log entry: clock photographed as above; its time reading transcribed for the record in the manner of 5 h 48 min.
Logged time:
5 h 16 min
